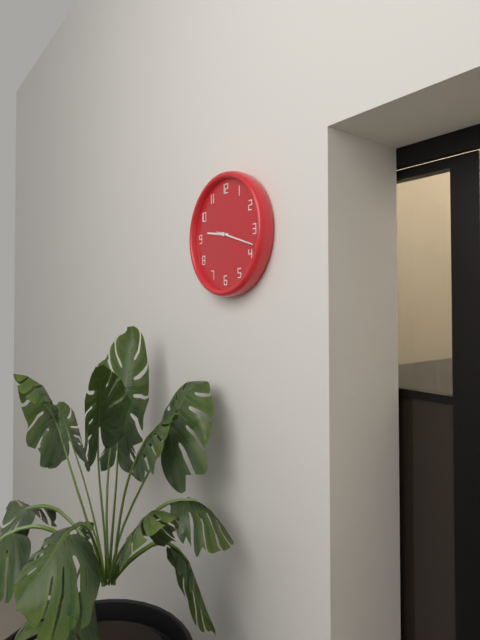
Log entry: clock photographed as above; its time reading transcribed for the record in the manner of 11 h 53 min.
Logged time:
9 h 18 min
